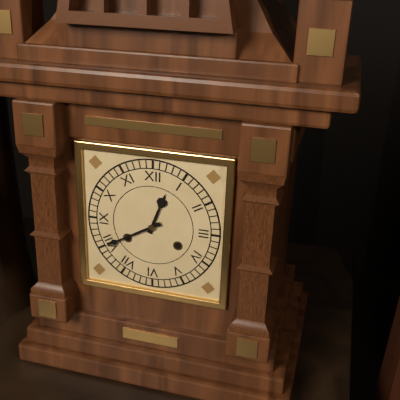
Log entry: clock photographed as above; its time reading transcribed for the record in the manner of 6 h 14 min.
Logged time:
12 h 40 min
